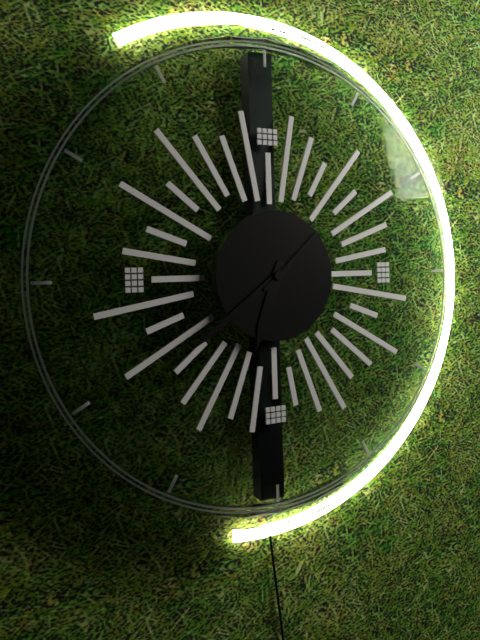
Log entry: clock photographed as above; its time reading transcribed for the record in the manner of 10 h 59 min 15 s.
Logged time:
6 h 39 min 08 s
